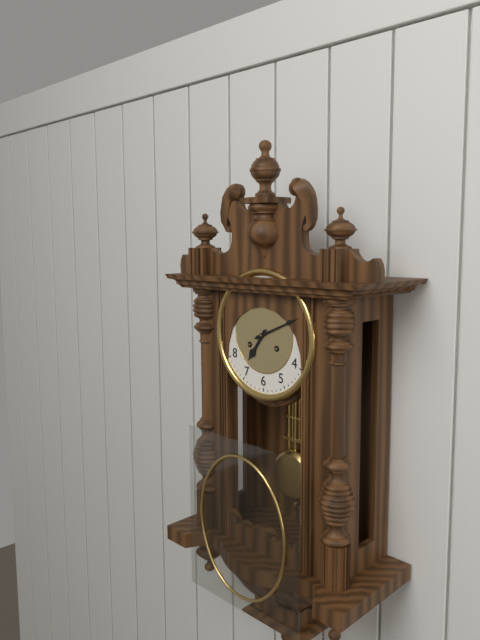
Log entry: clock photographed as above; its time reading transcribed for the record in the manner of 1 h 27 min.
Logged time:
7 h 11 min
